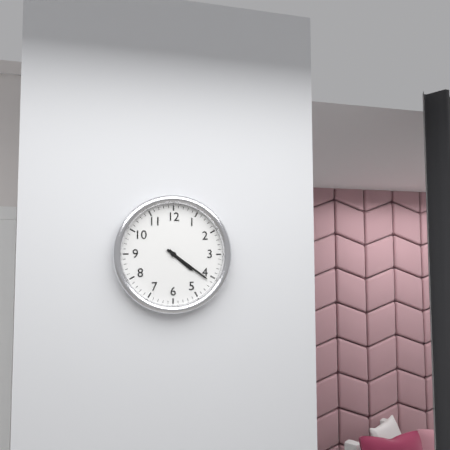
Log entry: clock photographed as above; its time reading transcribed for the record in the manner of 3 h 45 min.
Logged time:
4 h 21 min
